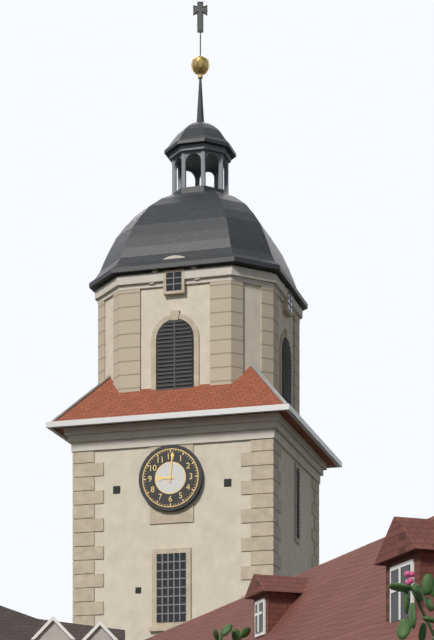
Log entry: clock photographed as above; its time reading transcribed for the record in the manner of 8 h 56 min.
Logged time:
9 h 01 min
